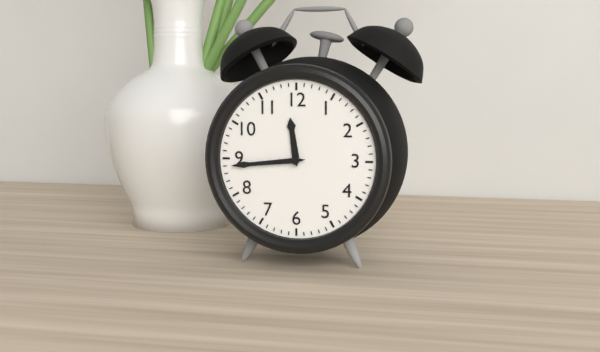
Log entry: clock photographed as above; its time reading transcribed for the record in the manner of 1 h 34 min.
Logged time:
11 h 44 min
